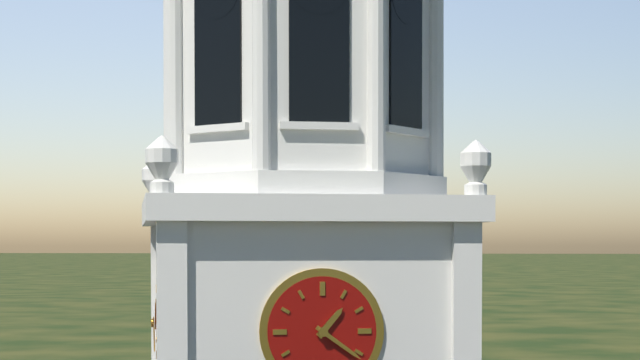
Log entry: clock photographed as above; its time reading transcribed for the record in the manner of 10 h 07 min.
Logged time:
1 h 21 min
